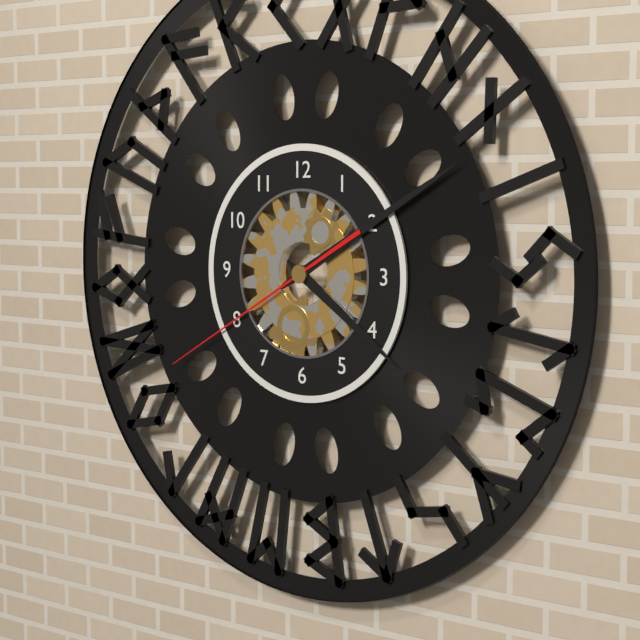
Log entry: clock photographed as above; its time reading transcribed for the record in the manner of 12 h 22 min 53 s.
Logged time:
4 h 10 min 40 s
